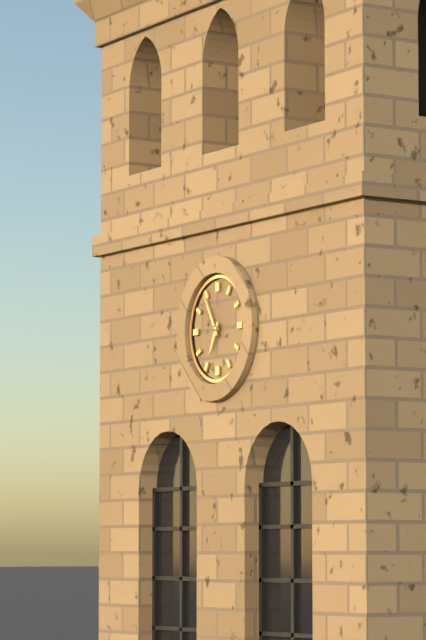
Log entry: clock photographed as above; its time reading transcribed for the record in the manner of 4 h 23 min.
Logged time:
6 h 55 min
